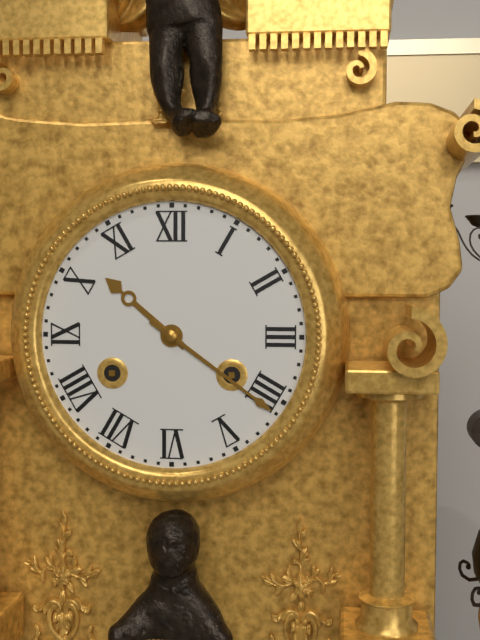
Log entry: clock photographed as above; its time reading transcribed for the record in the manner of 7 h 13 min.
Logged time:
10 h 21 min
